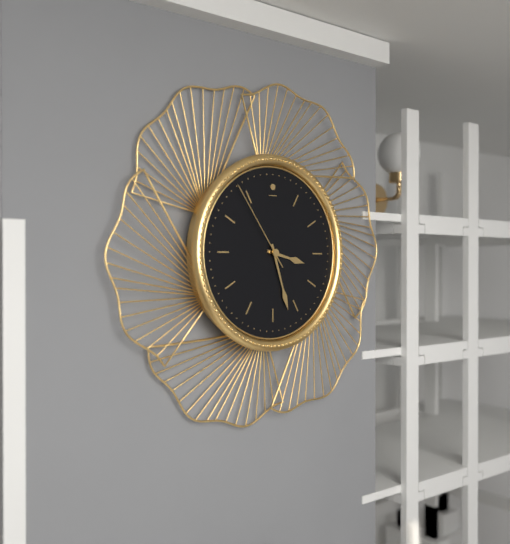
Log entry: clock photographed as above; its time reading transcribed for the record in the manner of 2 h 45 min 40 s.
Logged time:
3 h 27 min 54 s
